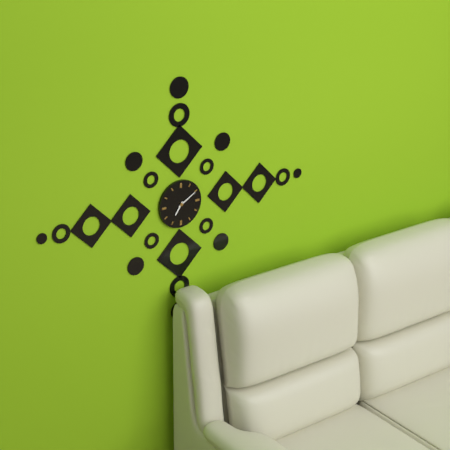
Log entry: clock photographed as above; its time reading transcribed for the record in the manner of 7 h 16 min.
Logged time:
7 h 10 min
